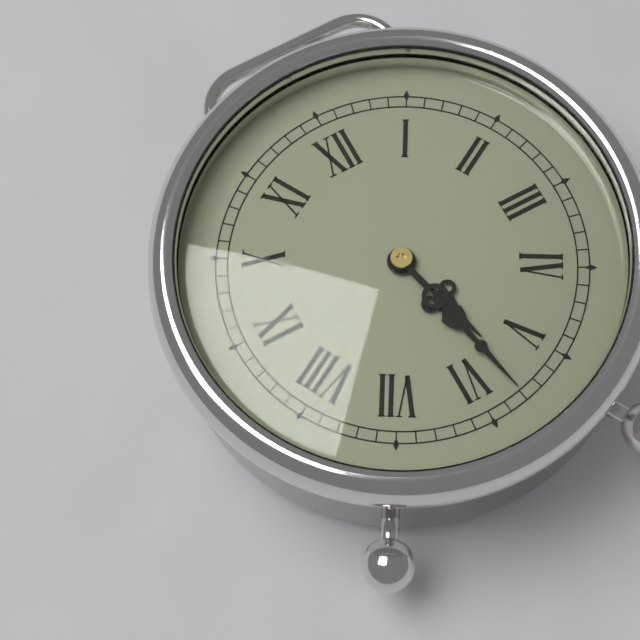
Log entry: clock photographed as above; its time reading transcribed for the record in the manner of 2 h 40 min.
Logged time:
5 h 28 min
